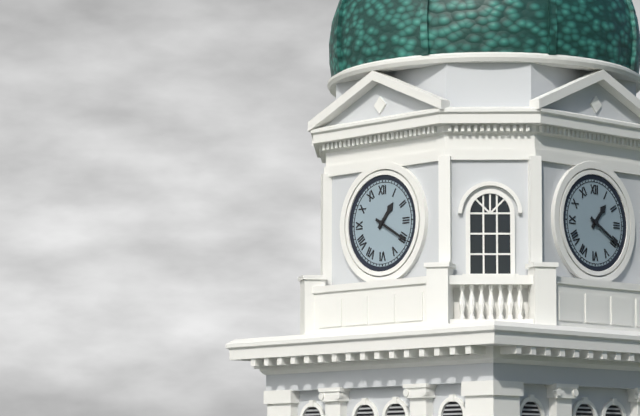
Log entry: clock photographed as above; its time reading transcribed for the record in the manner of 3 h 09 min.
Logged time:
1 h 20 min
